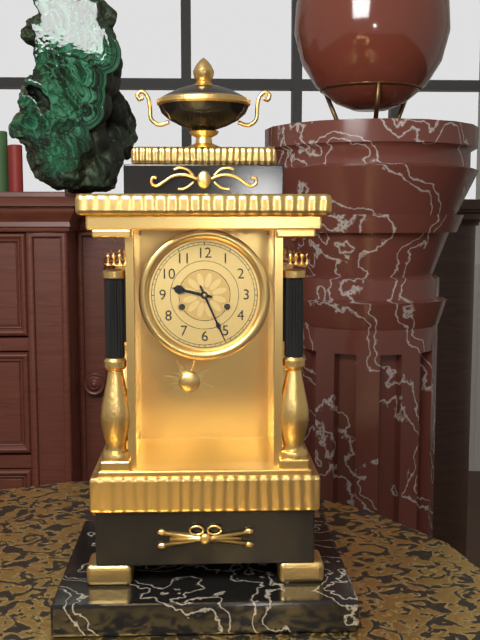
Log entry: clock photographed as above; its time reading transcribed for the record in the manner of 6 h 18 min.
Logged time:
9 h 26 min
